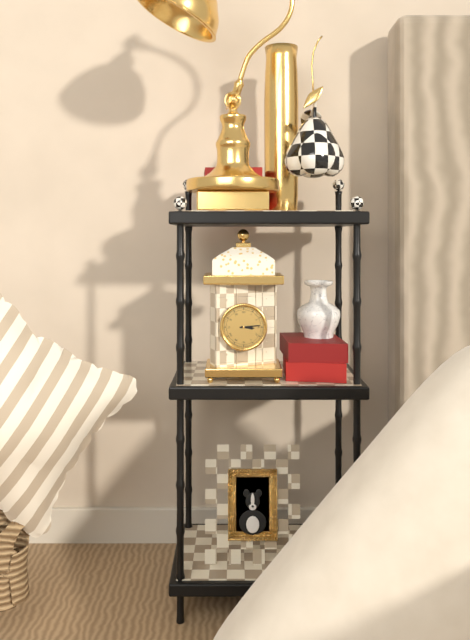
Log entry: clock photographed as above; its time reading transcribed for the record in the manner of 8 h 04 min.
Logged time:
3 h 14 min
